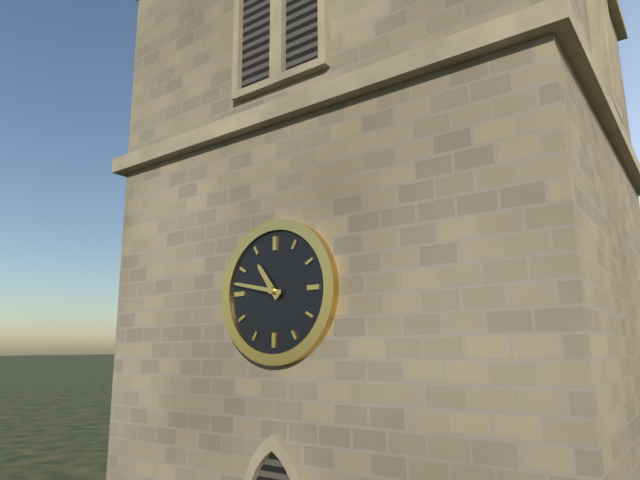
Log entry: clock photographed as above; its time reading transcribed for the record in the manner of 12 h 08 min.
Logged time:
10 h 47 min
